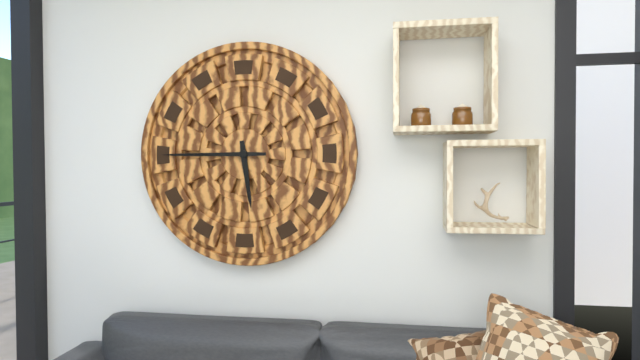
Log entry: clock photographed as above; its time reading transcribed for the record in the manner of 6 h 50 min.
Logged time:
5 h 45 min
